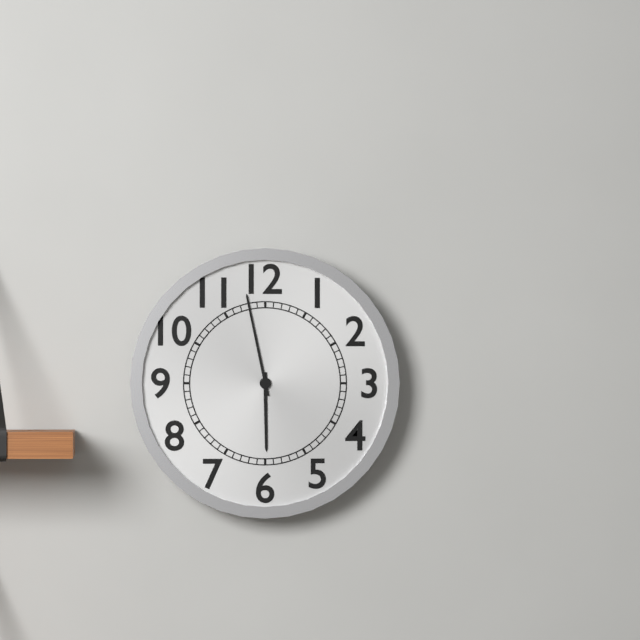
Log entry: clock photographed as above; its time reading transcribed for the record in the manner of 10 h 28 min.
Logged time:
5 h 58 min
